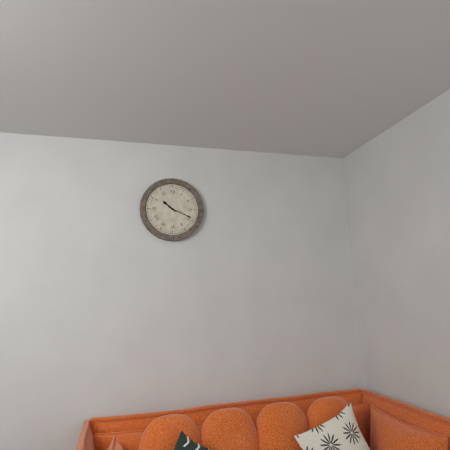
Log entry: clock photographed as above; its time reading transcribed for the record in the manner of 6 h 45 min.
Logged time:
10 h 19 min
